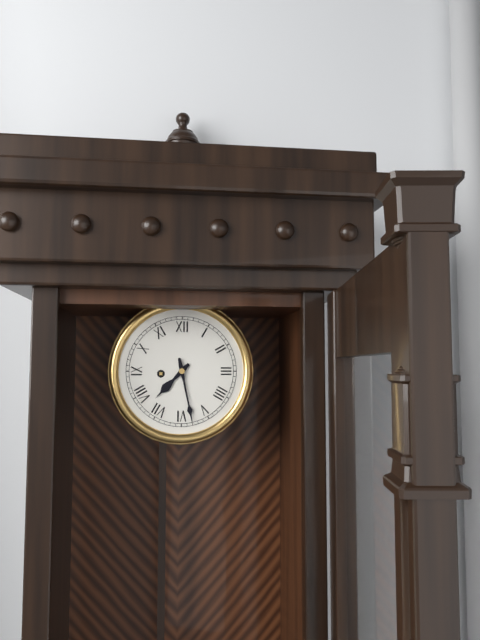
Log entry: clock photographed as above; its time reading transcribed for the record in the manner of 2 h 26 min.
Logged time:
7 h 28 min
